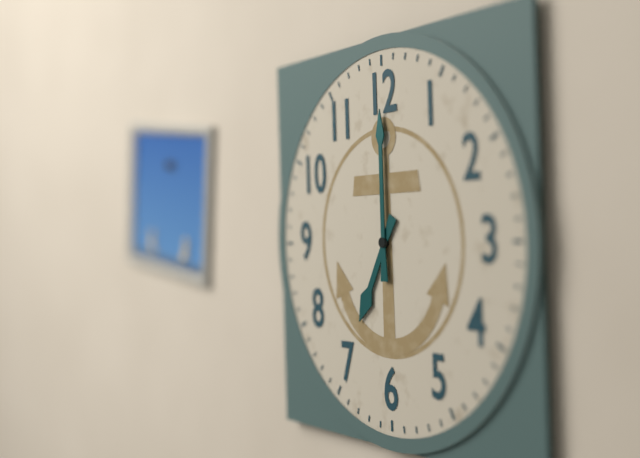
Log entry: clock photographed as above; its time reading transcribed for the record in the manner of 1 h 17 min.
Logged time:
7 h 00 min
